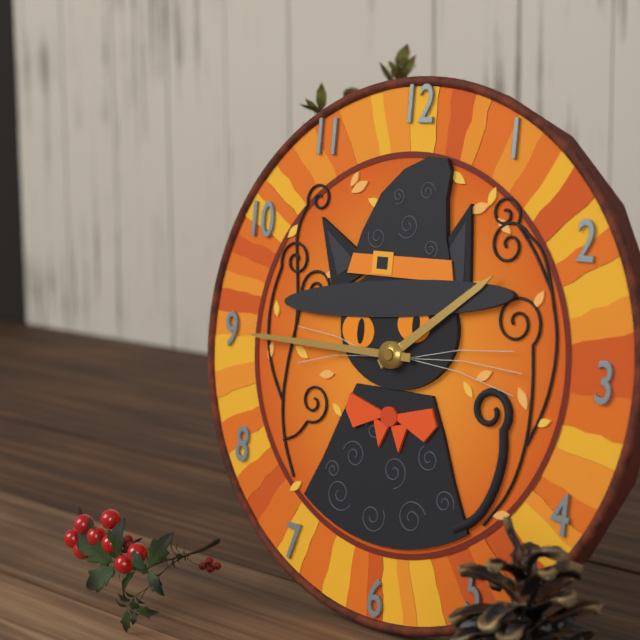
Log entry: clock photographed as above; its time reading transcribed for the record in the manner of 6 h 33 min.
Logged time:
1 h 45 min
